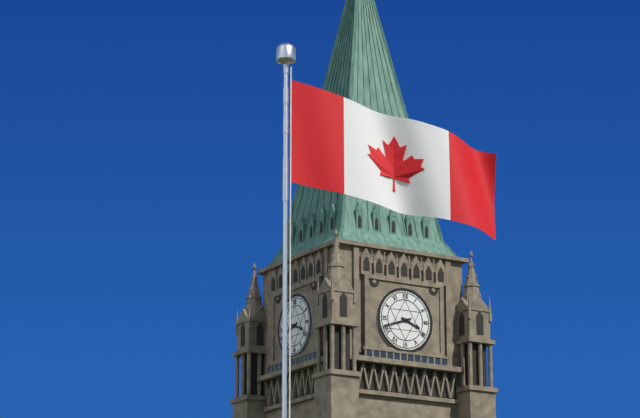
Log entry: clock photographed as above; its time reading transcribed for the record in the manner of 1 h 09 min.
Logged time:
3 h 42 min
